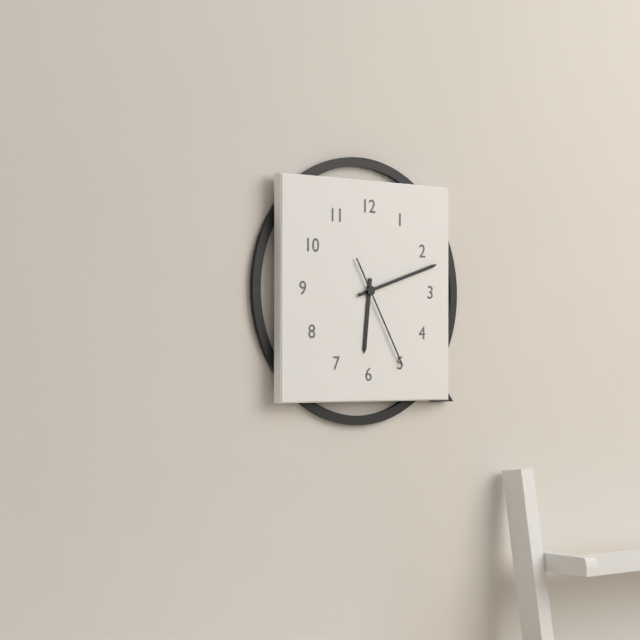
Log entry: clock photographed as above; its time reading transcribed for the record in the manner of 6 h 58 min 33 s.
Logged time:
6 h 12 min 25 s
